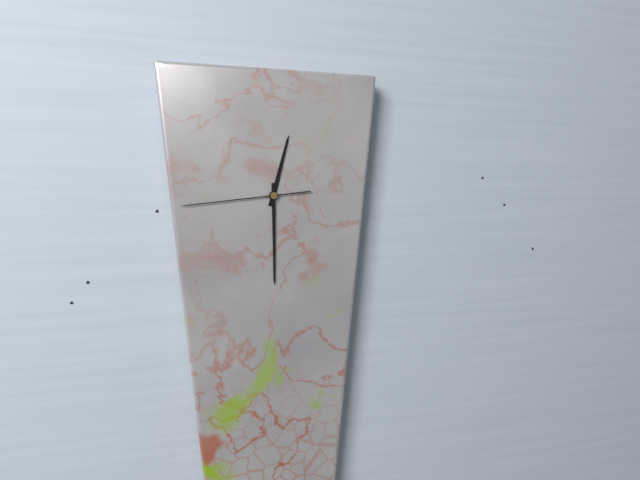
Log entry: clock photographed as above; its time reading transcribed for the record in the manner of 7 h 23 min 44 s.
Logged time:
12 h 30 min 44 s
